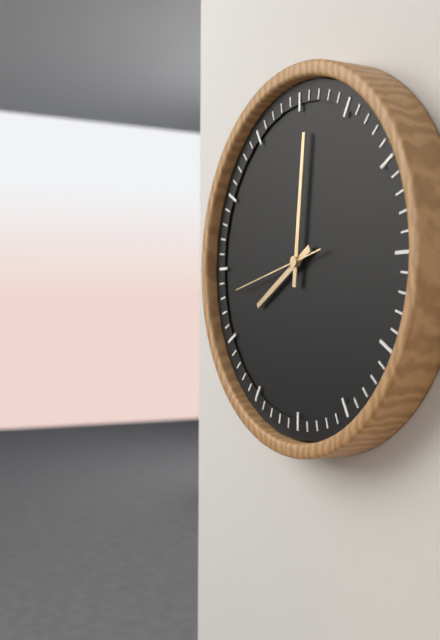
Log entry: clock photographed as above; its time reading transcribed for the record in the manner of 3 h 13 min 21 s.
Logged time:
8 h 01 min 43 s
